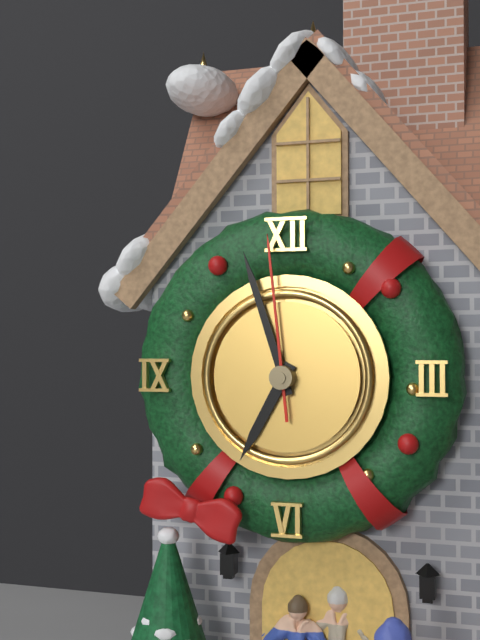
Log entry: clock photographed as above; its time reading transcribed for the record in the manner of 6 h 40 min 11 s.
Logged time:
6 h 57 min 59 s
